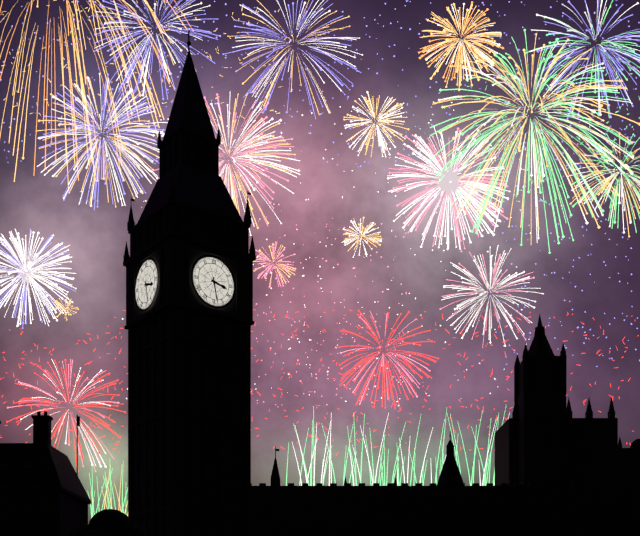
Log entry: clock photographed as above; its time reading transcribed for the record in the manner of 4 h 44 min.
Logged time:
3 h 28 min
